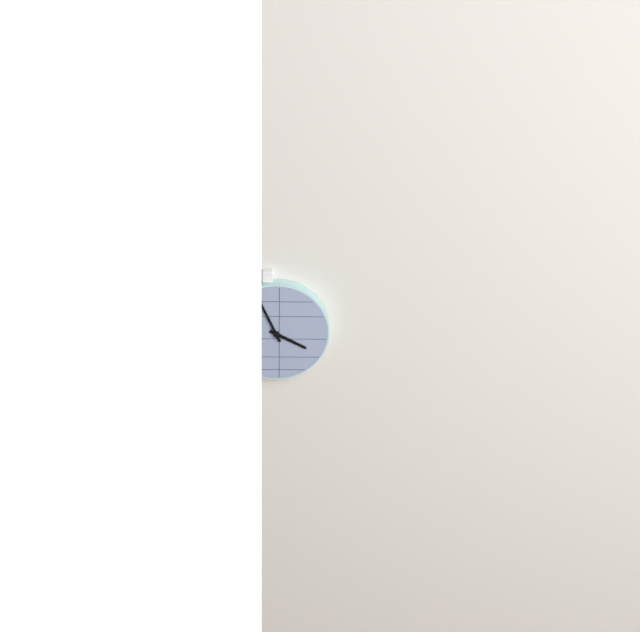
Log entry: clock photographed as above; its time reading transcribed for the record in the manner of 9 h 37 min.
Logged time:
3 h 56 min
